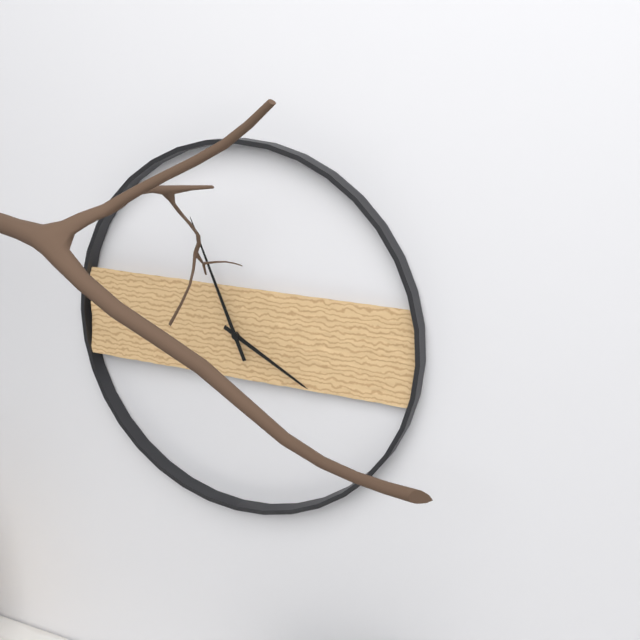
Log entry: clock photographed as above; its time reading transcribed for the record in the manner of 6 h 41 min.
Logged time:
3 h 56 min
